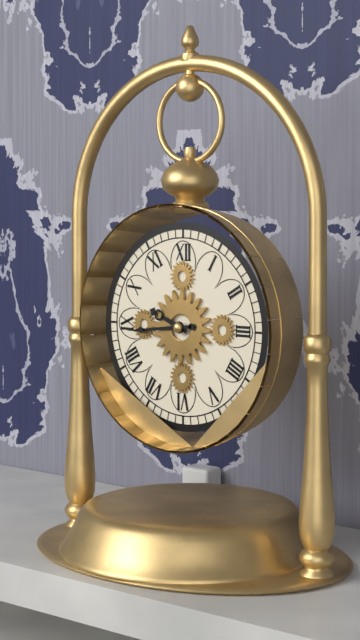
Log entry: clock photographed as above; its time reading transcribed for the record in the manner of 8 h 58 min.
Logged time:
9 h 44 min
